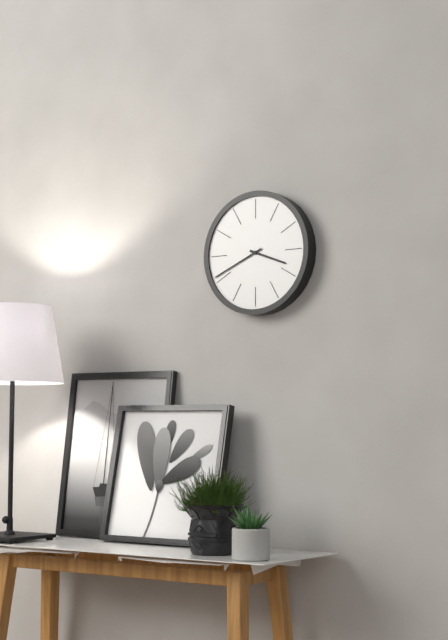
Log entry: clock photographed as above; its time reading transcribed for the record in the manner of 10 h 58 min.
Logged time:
3 h 41 min
